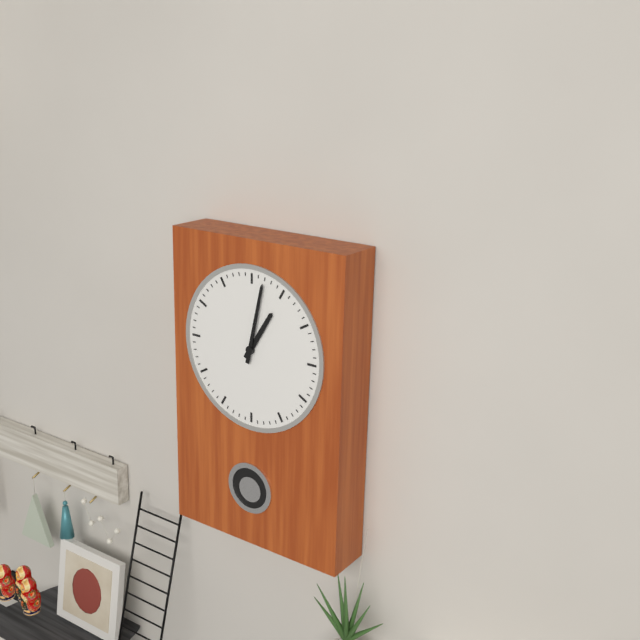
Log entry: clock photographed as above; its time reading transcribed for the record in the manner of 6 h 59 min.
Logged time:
1 h 02 min
